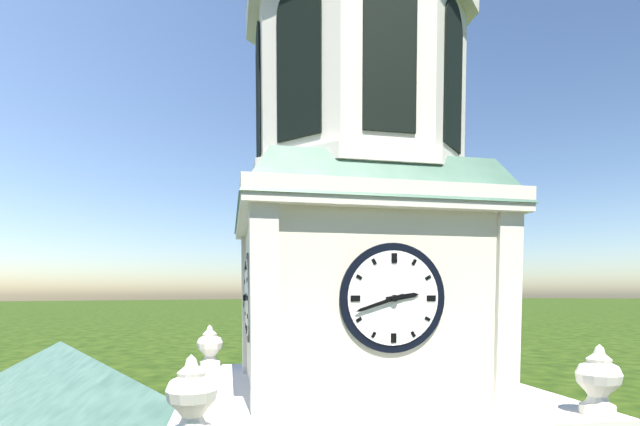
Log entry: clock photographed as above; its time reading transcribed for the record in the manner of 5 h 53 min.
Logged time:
2 h 42 min
